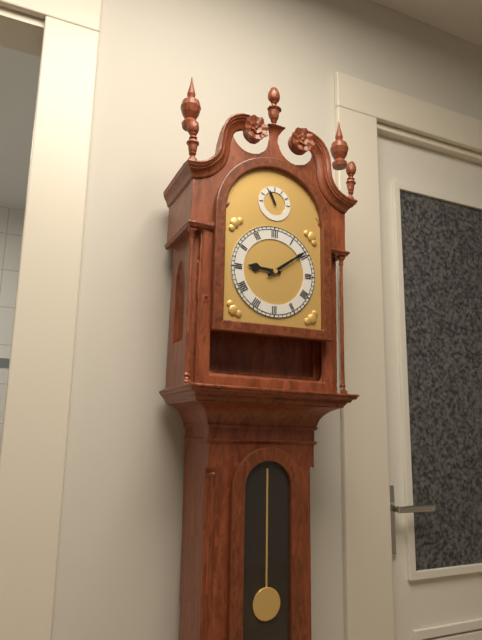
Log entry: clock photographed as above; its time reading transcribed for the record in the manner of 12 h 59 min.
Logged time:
9 h 09 min
